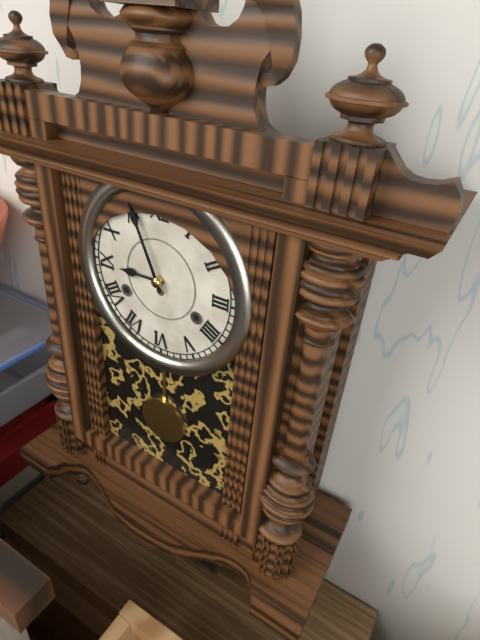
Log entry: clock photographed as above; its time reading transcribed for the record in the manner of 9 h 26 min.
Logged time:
8 h 56 min
